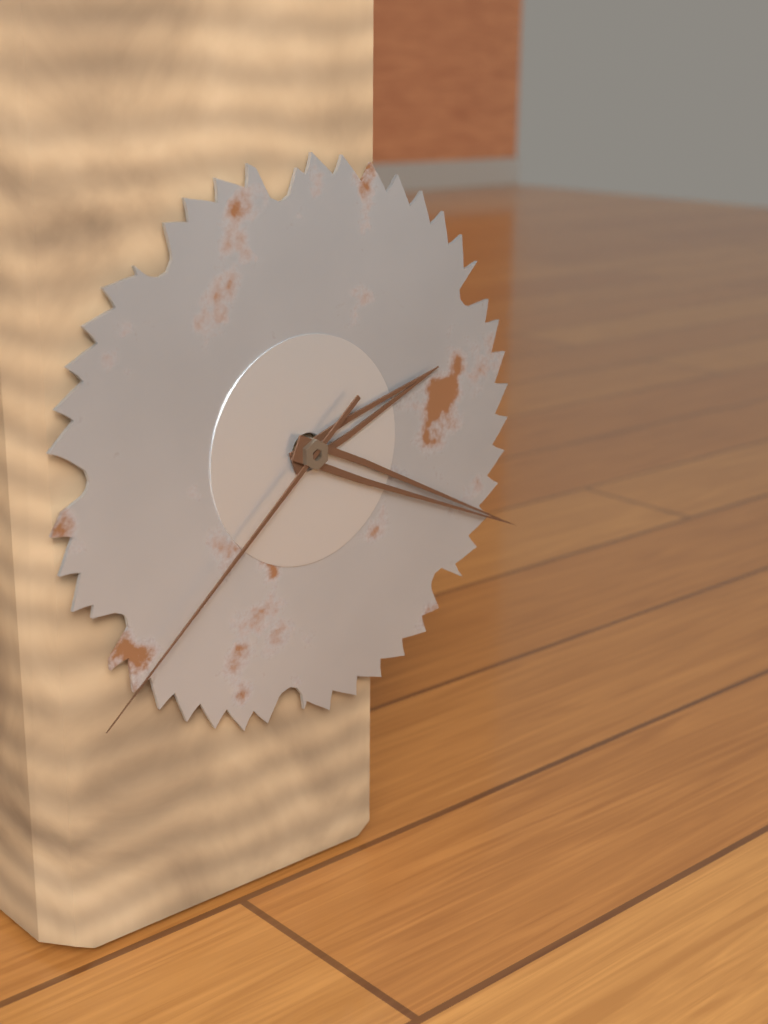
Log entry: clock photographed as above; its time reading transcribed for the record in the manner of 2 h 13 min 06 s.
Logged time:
2 h 19 min 38 s
